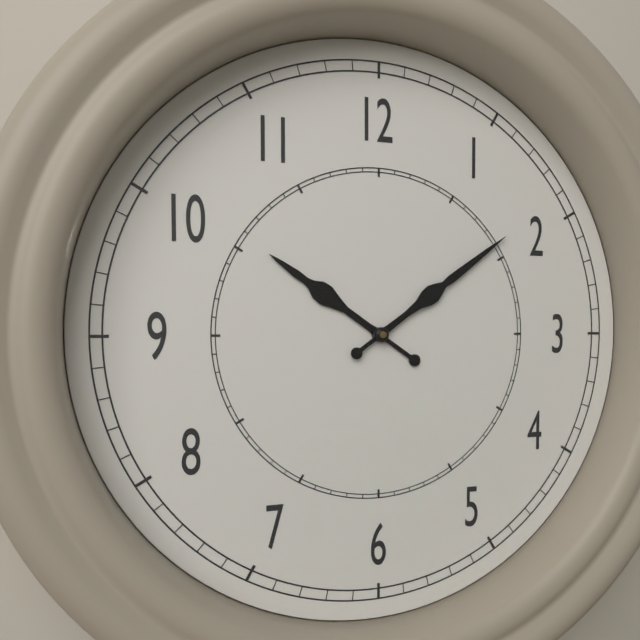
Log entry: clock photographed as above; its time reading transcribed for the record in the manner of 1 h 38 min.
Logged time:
10 h 09 min
